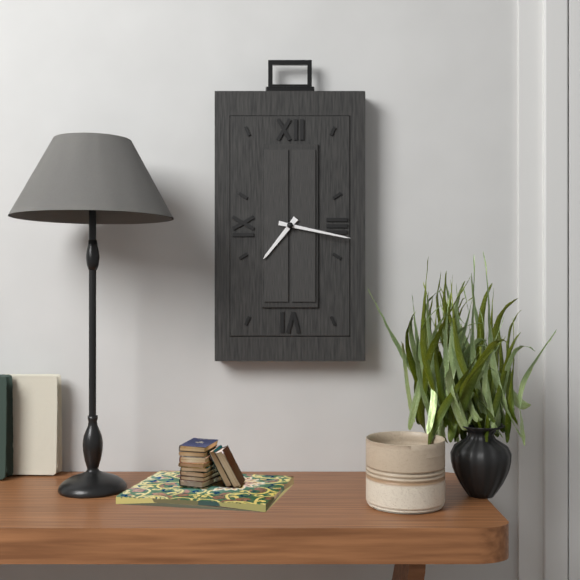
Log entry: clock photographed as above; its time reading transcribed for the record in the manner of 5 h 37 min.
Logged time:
7 h 17 min
